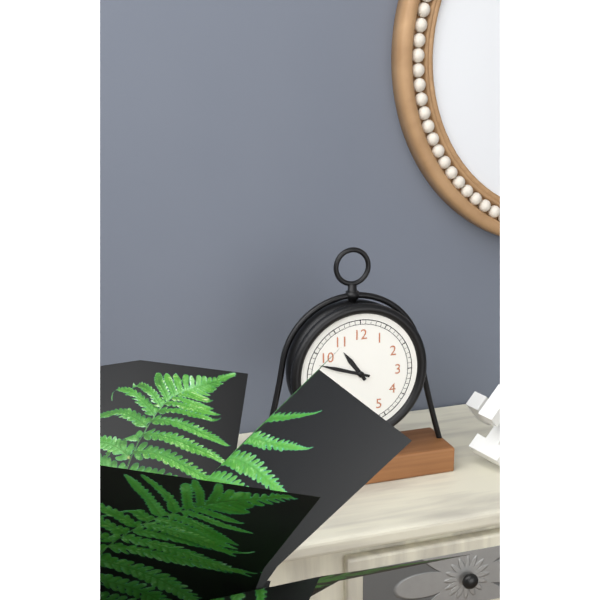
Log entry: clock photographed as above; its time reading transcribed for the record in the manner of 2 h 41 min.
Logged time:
10 h 48 min
